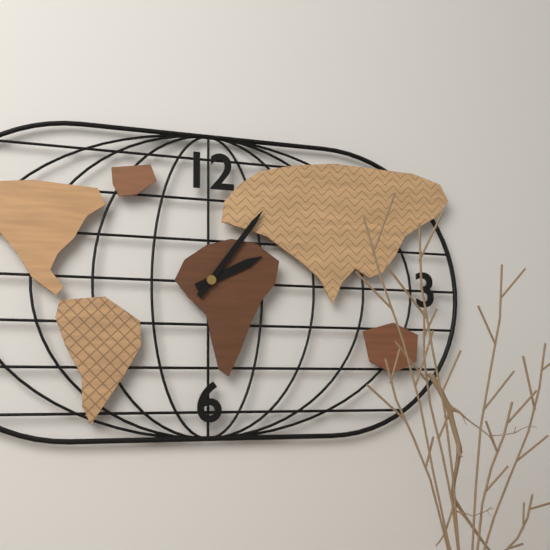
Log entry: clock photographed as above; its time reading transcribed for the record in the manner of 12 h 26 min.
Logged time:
2 h 06 min
